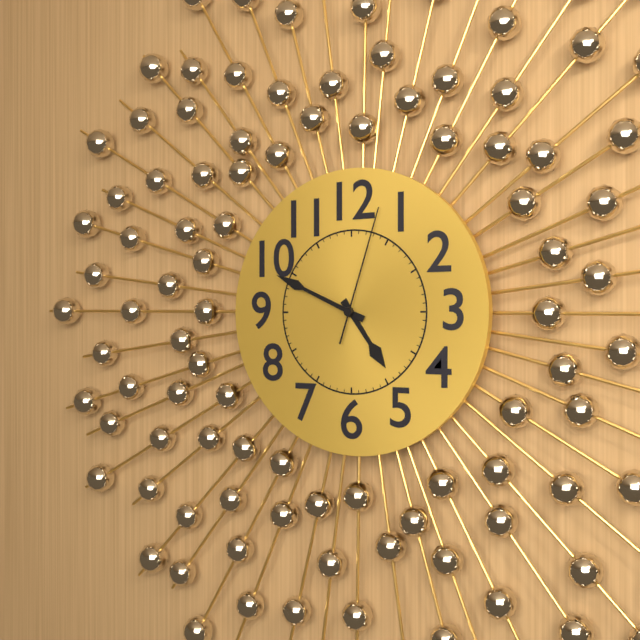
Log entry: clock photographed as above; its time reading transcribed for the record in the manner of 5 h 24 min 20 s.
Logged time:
4 h 49 min 03 s
